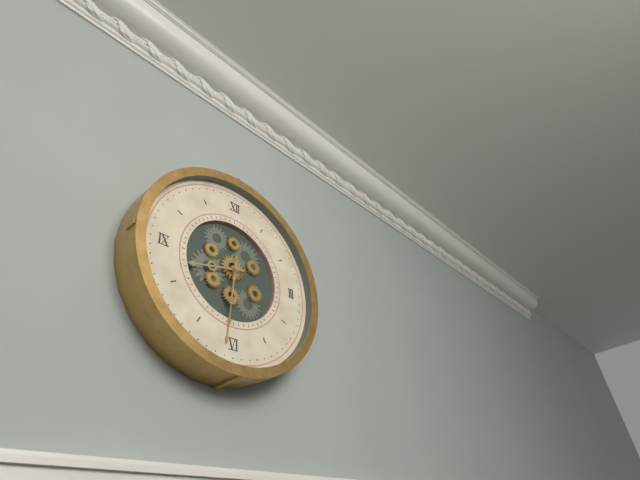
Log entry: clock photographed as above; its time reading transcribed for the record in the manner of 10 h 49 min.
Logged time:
8 h 31 min
